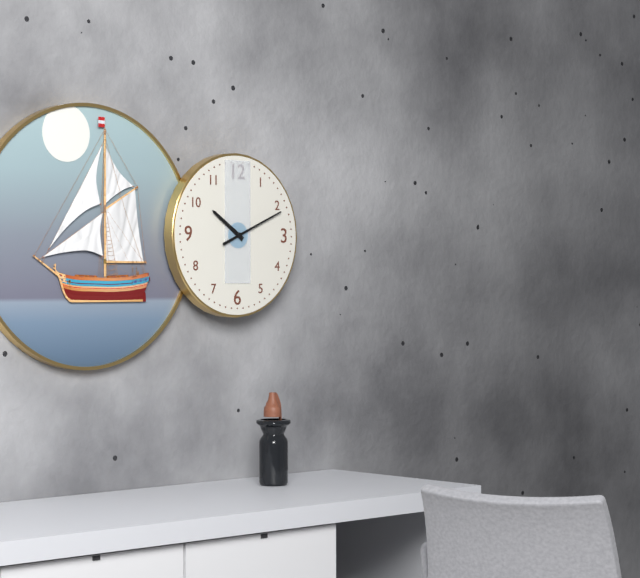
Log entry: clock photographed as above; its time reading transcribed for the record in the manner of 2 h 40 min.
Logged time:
10 h 11 min
